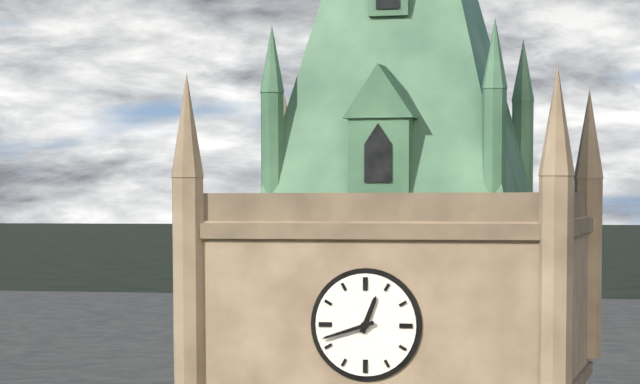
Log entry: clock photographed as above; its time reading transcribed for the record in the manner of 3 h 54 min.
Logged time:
12 h 42 min
